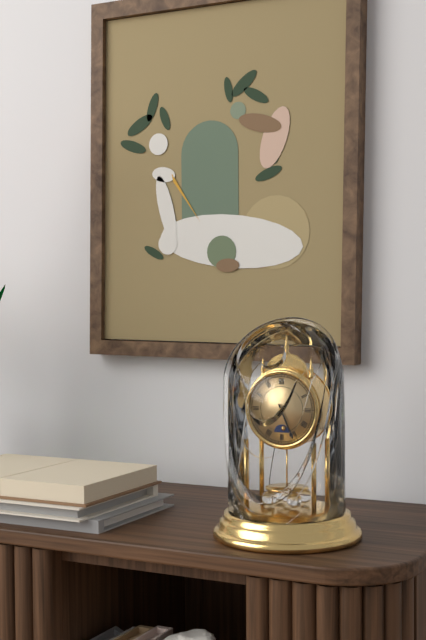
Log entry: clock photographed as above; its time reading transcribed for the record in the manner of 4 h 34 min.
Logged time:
7 h 26 min
